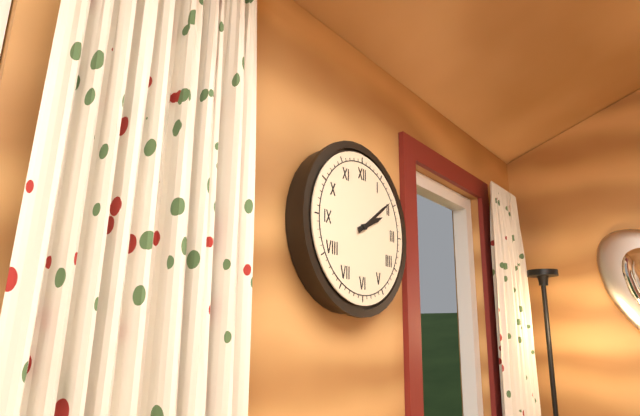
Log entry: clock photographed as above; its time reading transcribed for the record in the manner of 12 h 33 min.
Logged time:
2 h 09 min
